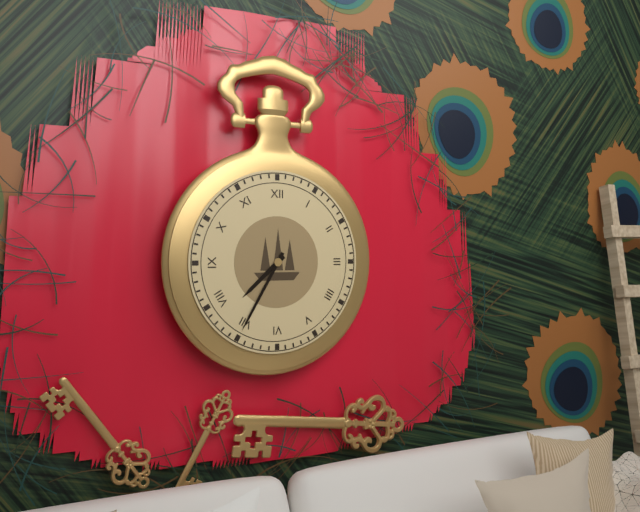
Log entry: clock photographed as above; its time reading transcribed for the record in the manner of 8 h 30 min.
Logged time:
7 h 35 min
